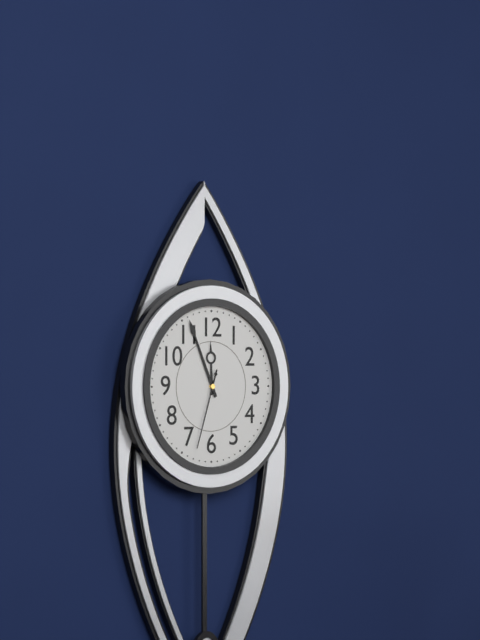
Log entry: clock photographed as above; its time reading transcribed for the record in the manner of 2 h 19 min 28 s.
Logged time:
11 h 56 min 33 s
